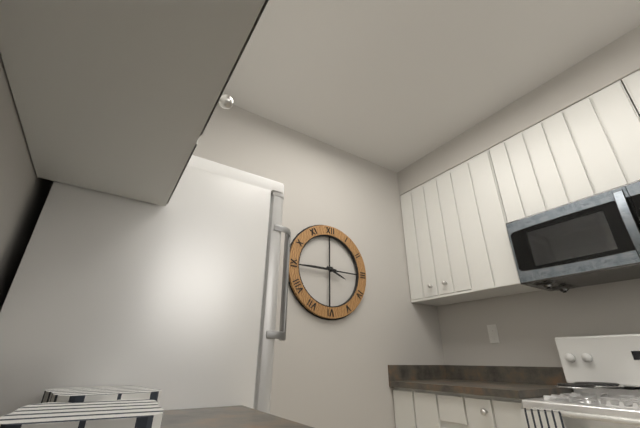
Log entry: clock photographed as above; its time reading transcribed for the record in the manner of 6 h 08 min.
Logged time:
3 h 45 min
